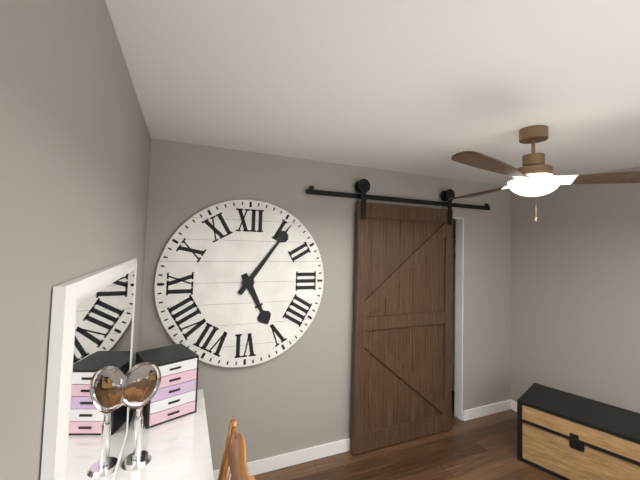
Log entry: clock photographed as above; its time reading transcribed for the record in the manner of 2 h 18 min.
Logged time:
5 h 06 min
